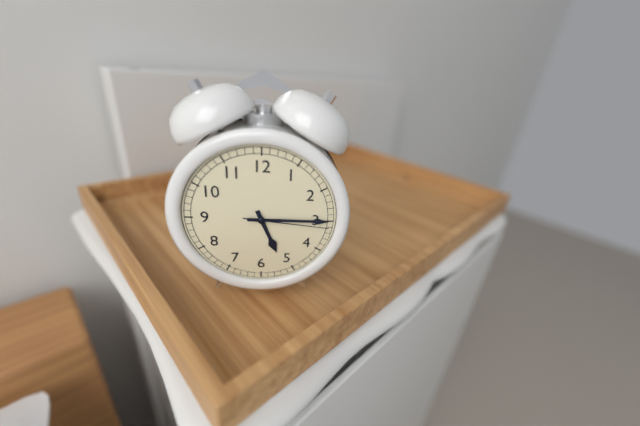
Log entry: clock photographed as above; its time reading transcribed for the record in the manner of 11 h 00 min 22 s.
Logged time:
5 h 15 min 16 s
